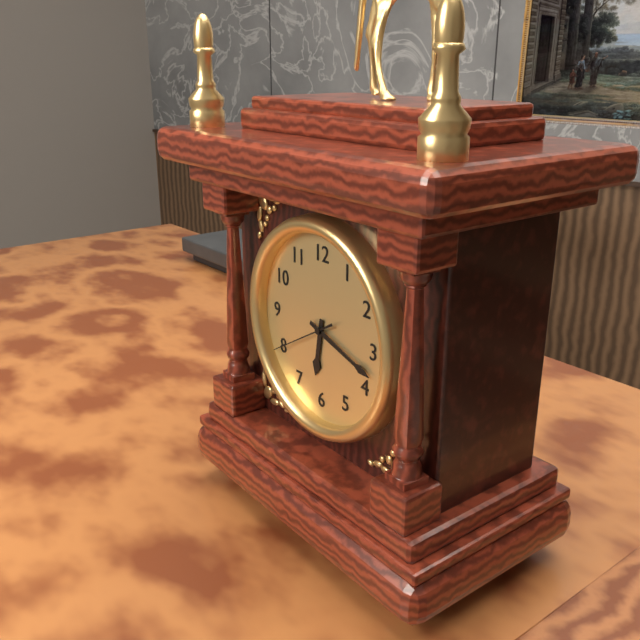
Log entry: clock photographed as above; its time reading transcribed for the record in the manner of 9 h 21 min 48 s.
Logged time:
6 h 18 min 40 s
